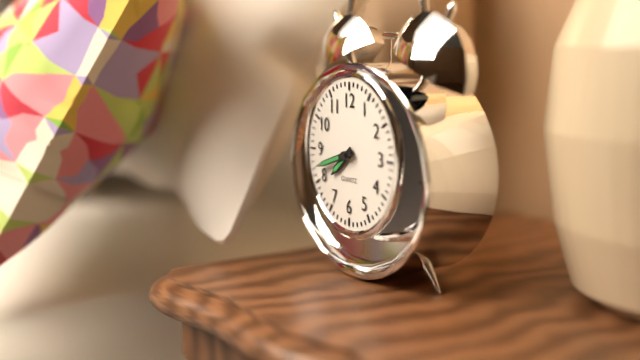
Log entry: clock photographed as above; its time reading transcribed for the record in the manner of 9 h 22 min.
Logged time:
7 h 42 min
